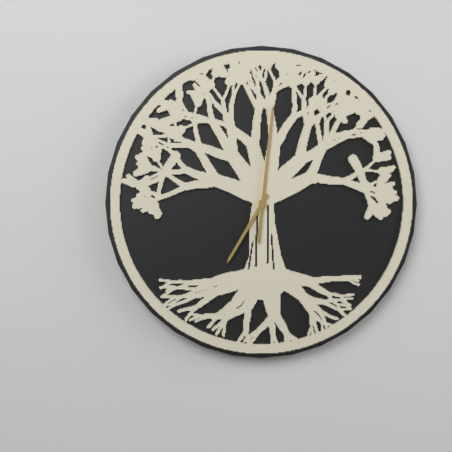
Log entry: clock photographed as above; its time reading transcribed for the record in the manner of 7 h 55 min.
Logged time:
7 h 01 min
